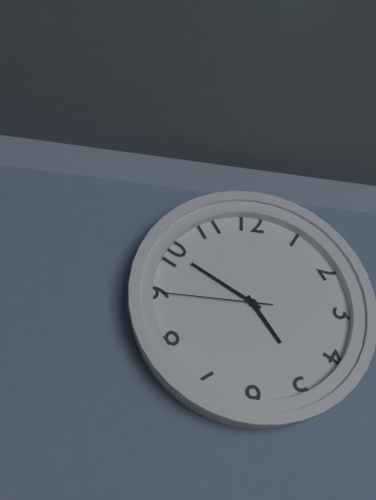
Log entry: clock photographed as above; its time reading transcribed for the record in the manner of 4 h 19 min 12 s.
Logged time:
4 h 50 min 45 s
